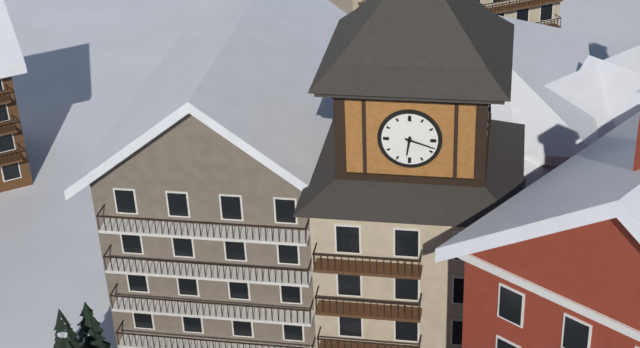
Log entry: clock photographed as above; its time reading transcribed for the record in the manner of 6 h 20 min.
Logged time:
6 h 18 min
